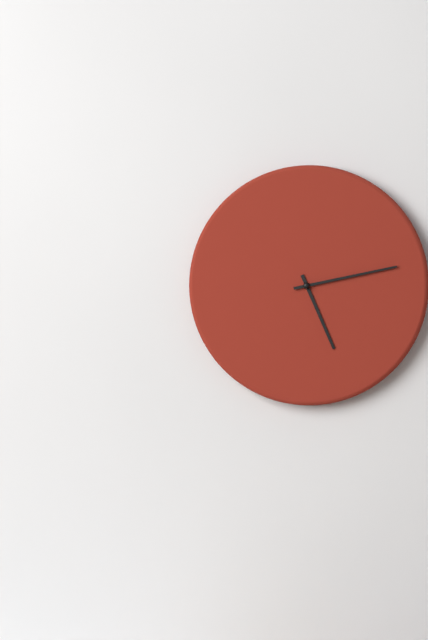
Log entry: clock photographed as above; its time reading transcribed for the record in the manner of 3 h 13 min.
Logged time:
5 h 13 min
